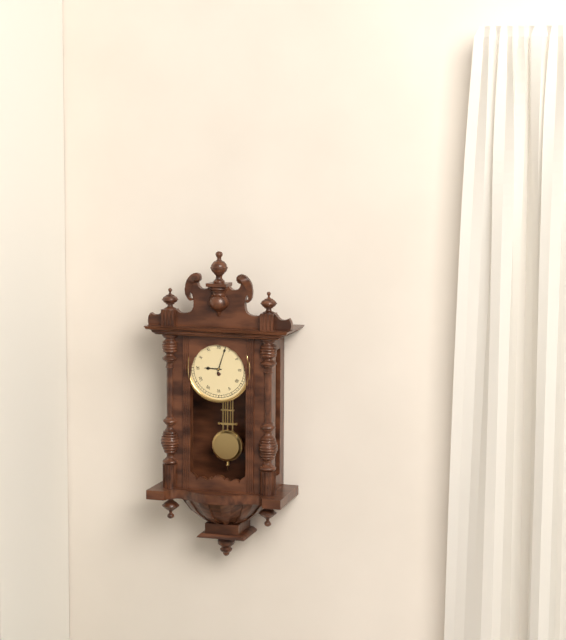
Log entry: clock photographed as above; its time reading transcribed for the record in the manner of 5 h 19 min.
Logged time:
9 h 03 min
